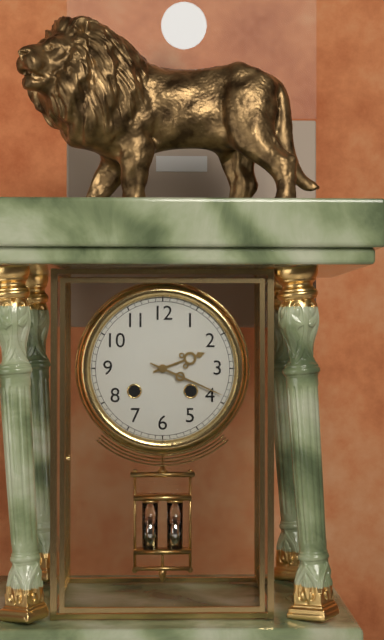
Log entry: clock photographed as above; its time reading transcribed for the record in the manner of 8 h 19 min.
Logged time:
2 h 19 min
